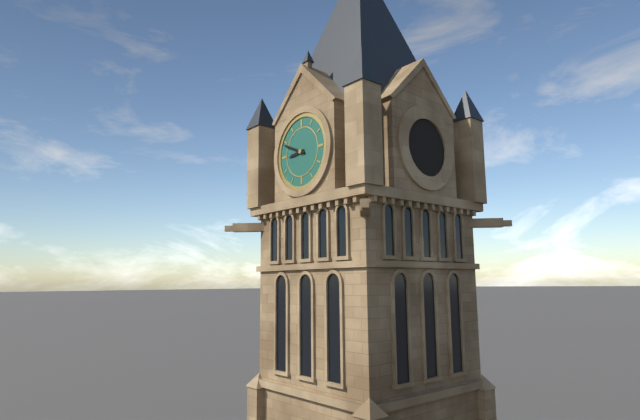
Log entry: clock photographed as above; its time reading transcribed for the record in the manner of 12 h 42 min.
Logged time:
8 h 49 min
